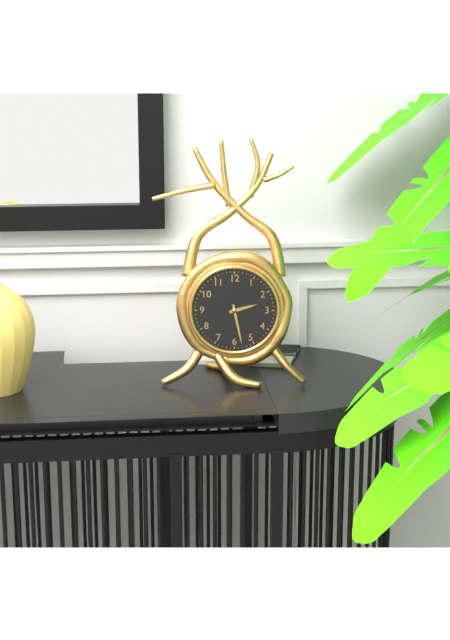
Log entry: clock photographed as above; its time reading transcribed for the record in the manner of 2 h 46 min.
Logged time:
2 h 28 min
